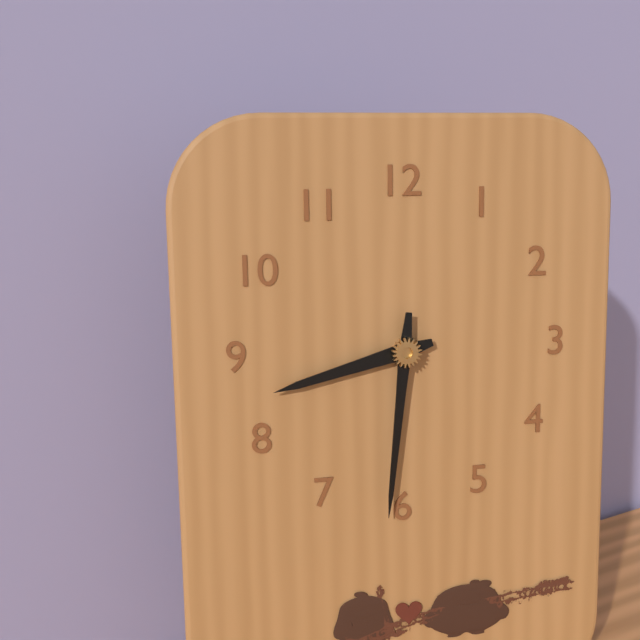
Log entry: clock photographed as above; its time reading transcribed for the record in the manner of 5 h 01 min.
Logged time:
8 h 31 min
